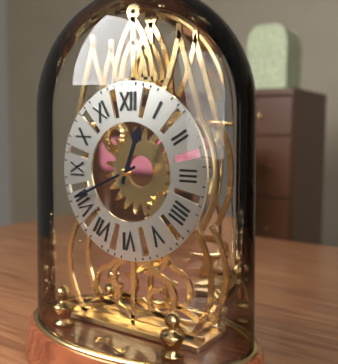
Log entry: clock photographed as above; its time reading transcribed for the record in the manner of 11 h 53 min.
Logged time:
12 h 41 min
